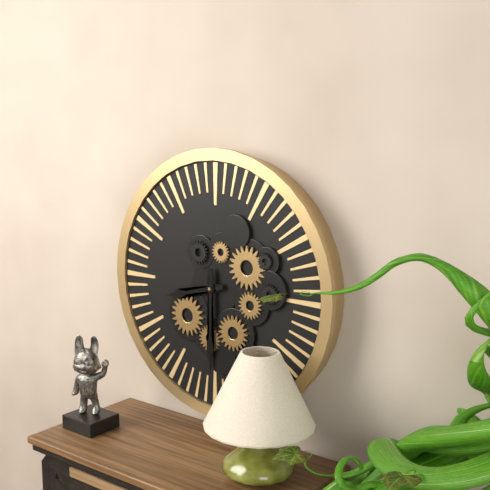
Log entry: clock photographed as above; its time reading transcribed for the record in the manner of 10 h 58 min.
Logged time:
8 h 30 min
